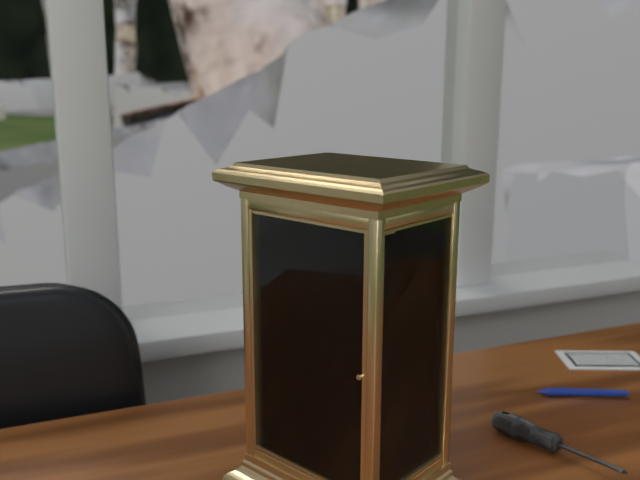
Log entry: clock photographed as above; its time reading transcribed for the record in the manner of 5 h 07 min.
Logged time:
12 h 28 min
